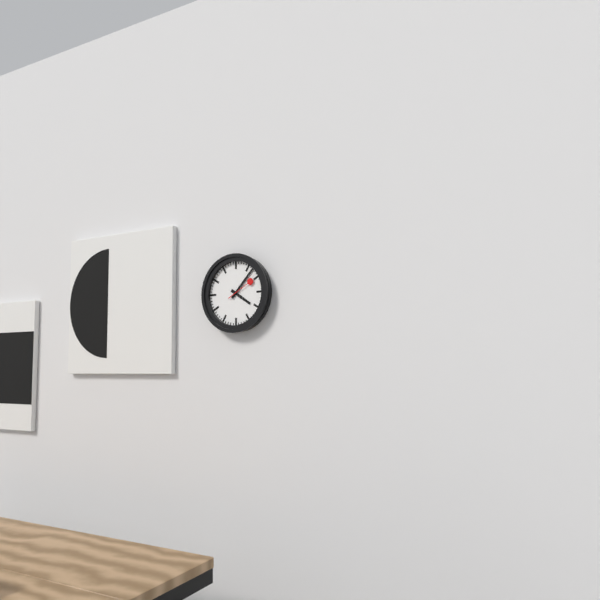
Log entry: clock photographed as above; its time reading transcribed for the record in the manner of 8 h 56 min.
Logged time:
4 h 07 min
